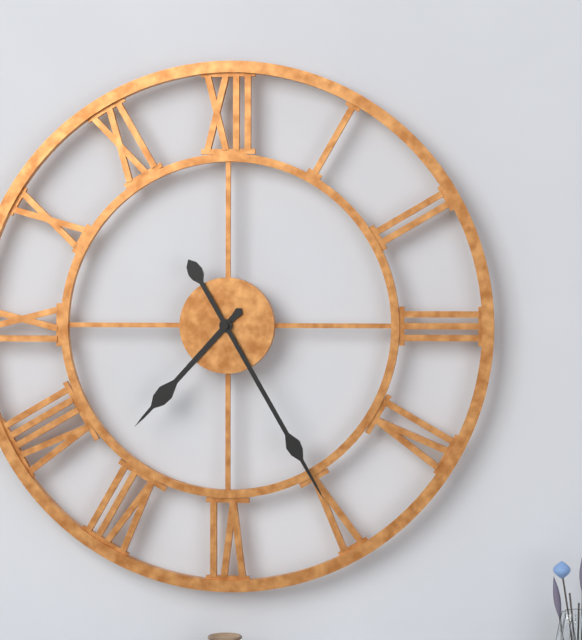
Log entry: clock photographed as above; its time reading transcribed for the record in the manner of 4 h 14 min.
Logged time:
7 h 25 min
